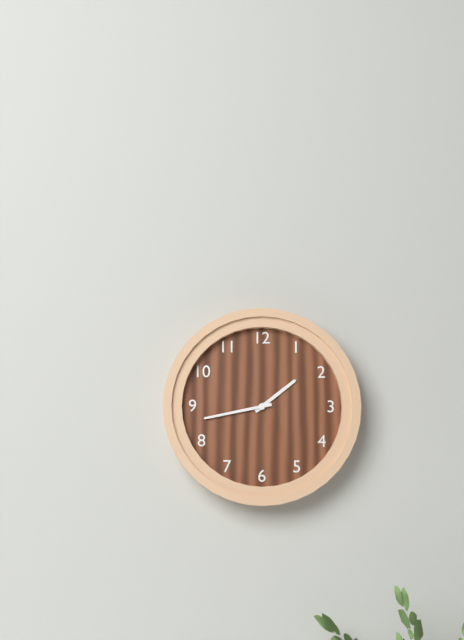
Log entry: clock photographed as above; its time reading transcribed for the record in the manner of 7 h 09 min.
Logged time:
1 h 43 min
